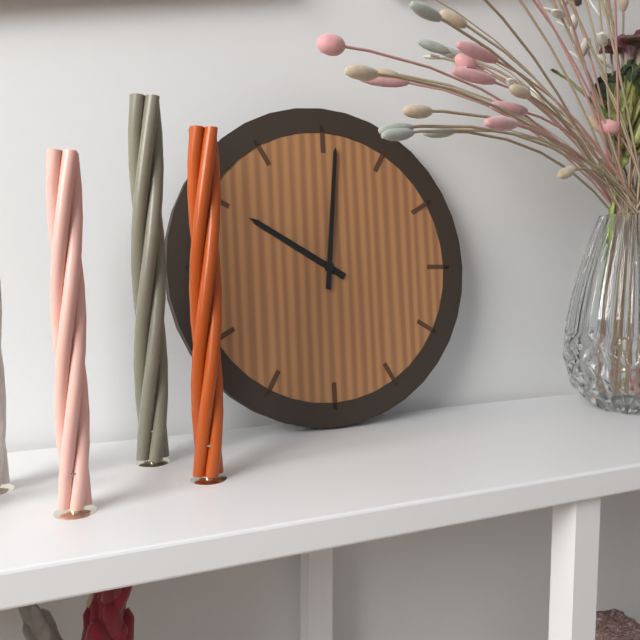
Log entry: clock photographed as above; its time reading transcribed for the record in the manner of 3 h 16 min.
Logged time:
10 h 01 min
